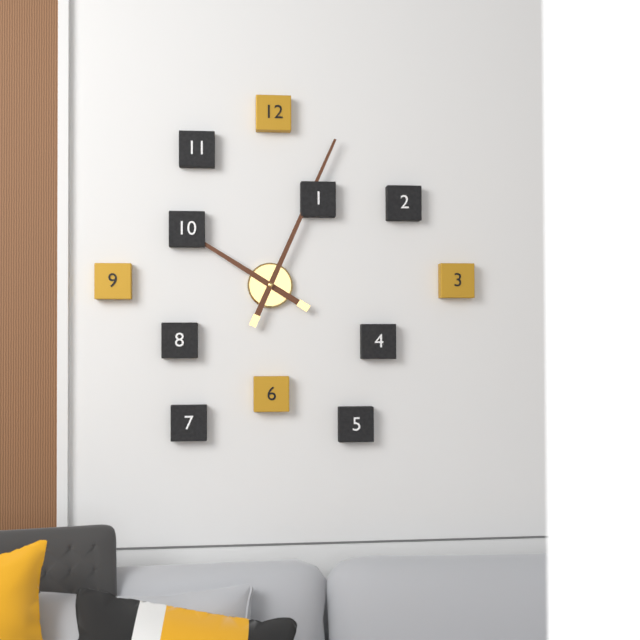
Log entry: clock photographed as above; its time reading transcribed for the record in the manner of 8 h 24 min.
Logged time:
10 h 04 min
